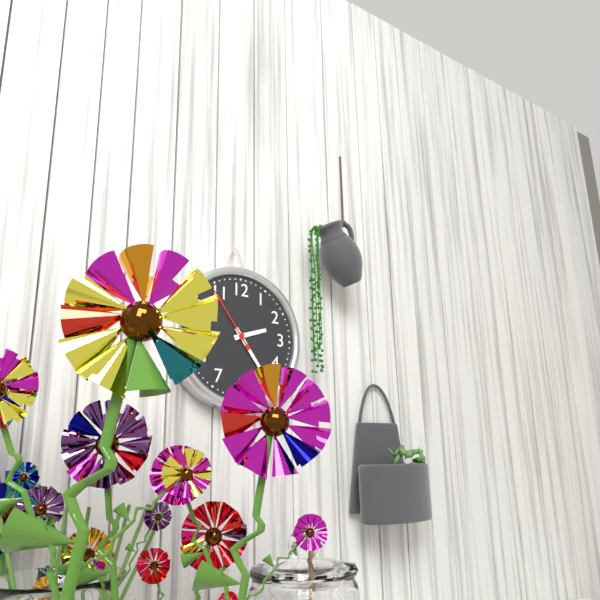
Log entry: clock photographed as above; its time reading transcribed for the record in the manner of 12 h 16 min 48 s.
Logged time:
2 h 24 min 54 s
